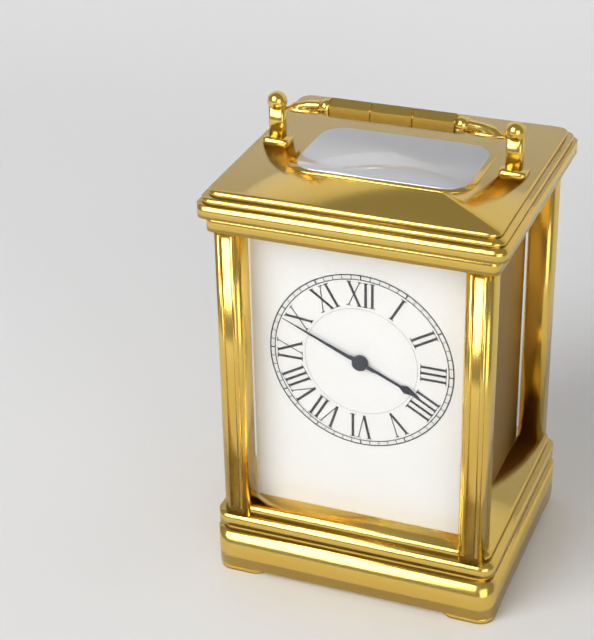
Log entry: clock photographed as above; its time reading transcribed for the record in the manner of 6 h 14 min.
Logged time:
3 h 49 min
